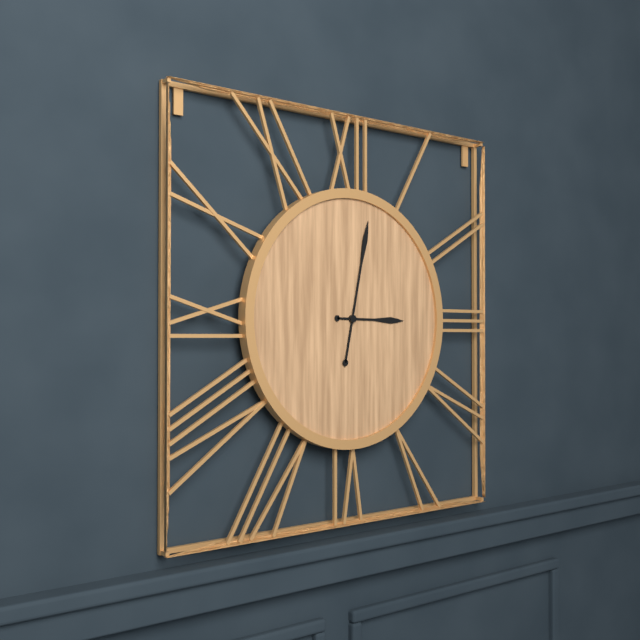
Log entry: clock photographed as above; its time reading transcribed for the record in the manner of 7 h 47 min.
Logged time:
3 h 02 min
